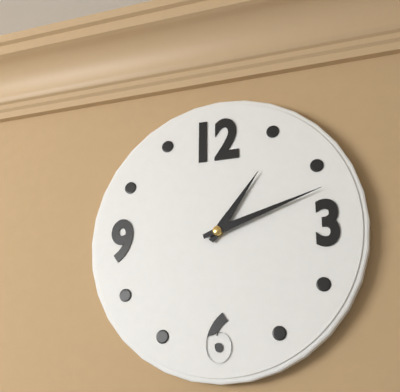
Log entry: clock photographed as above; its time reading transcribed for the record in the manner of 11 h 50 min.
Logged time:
1 h 12 min
